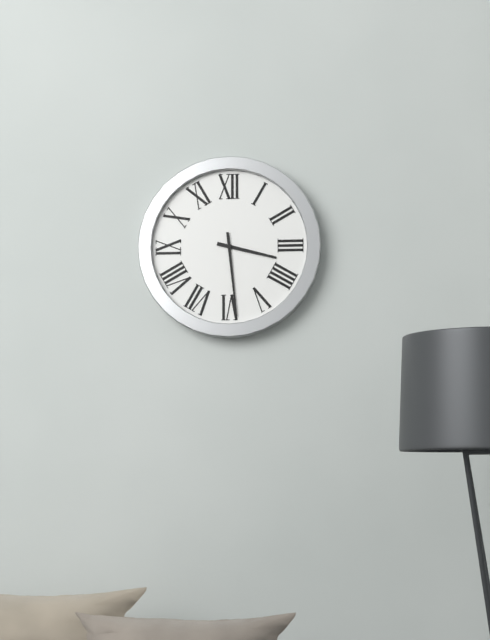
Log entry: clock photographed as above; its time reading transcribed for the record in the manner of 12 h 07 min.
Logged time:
3 h 29 min
